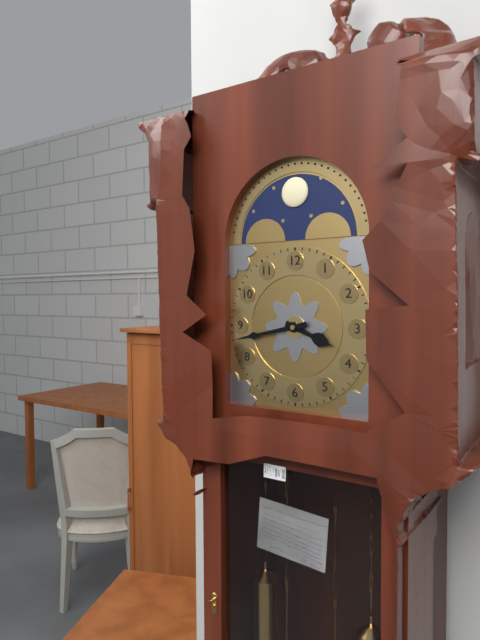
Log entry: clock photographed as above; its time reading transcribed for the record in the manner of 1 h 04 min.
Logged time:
3 h 43 min
